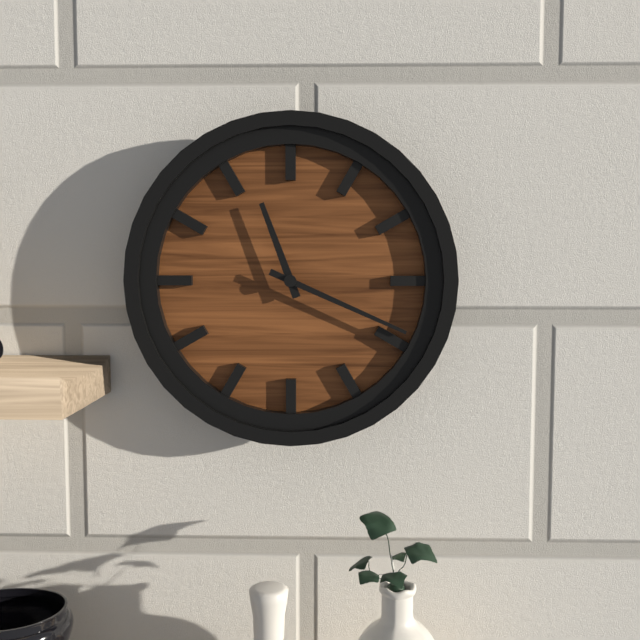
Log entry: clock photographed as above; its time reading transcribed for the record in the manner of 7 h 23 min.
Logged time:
11 h 19 min
